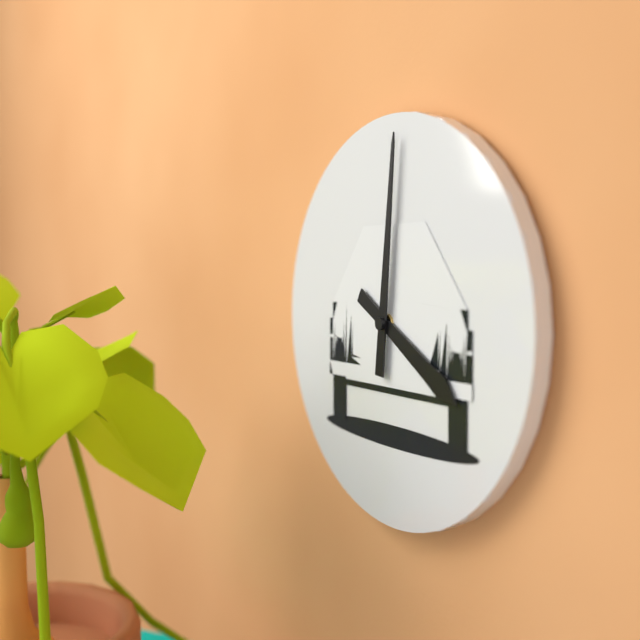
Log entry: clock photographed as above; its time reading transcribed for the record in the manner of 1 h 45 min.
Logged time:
4 h 01 min
